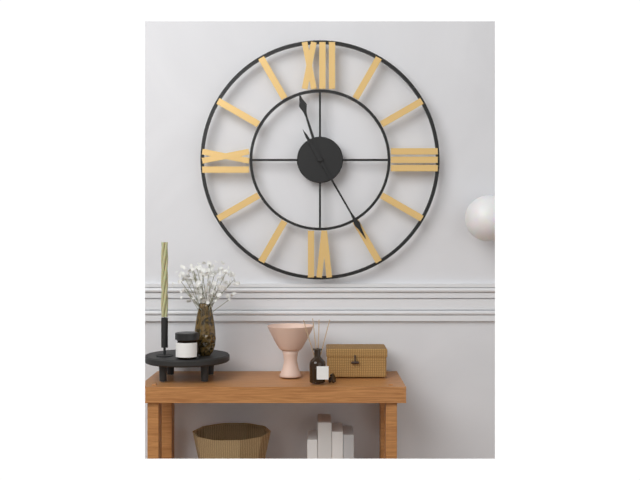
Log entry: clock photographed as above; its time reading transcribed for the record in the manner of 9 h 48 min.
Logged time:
11 h 25 min
